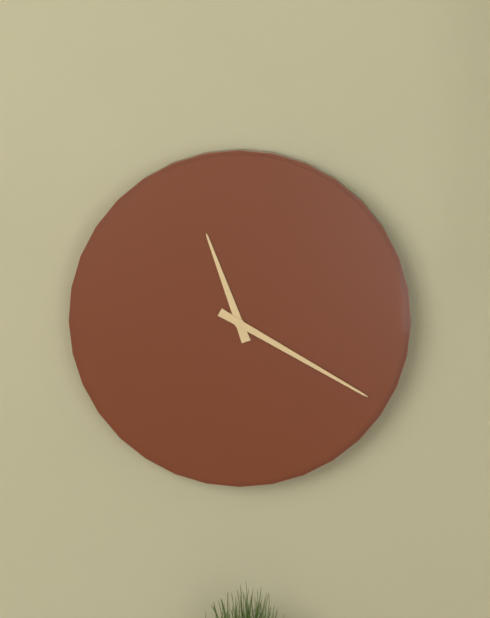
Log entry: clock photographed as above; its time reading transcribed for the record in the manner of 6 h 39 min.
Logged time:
11 h 20 min
